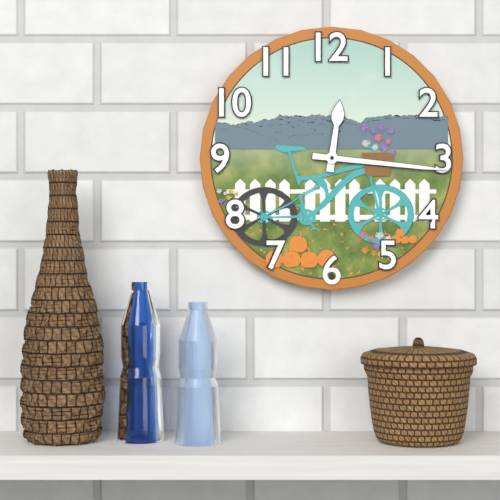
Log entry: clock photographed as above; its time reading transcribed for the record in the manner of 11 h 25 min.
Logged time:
12 h 16 min
